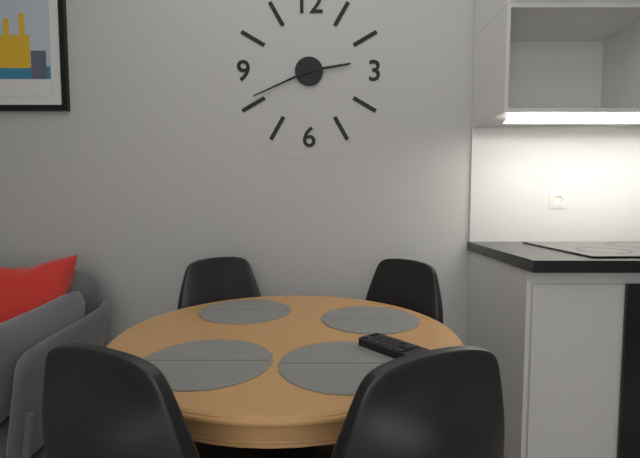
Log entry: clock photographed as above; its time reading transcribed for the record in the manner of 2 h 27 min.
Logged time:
2 h 41 min
